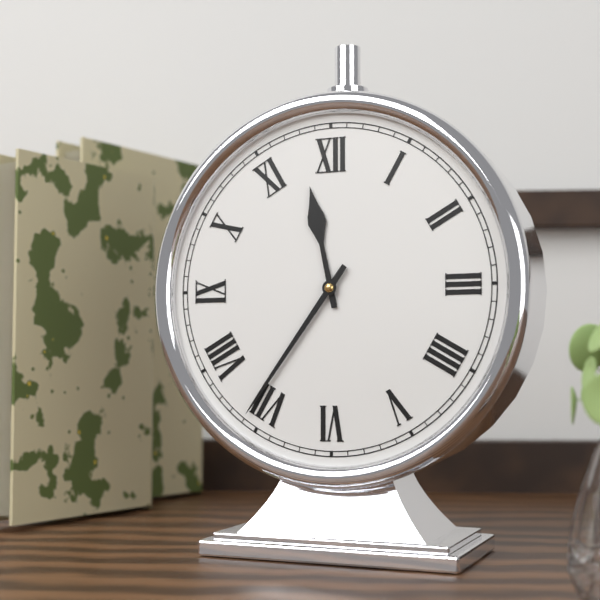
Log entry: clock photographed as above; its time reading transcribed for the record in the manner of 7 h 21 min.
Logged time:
11 h 36 min
